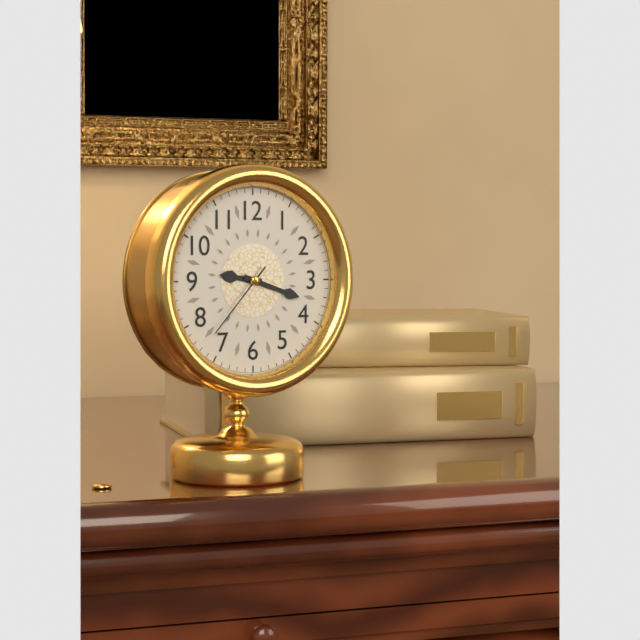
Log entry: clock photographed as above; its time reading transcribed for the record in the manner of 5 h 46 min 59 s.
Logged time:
9 h 18 min 37 s
